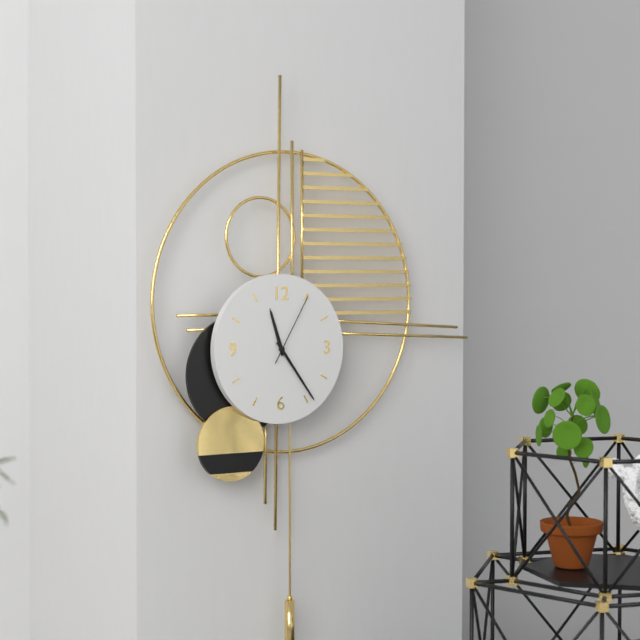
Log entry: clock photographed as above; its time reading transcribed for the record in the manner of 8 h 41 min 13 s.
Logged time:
11 h 24 min 05 s
